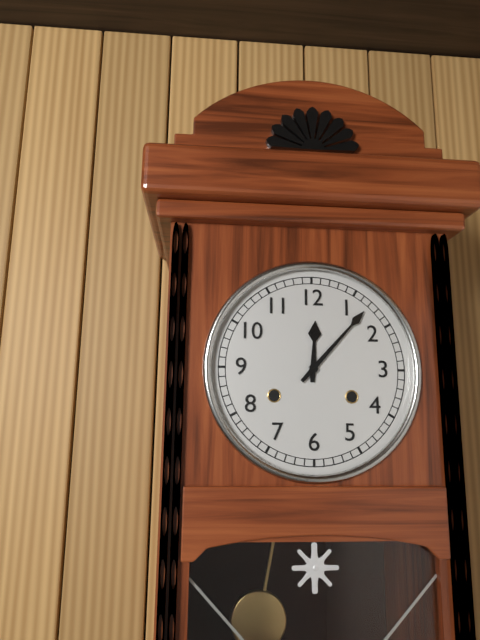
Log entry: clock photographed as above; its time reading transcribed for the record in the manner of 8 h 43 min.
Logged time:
12 h 07 min
